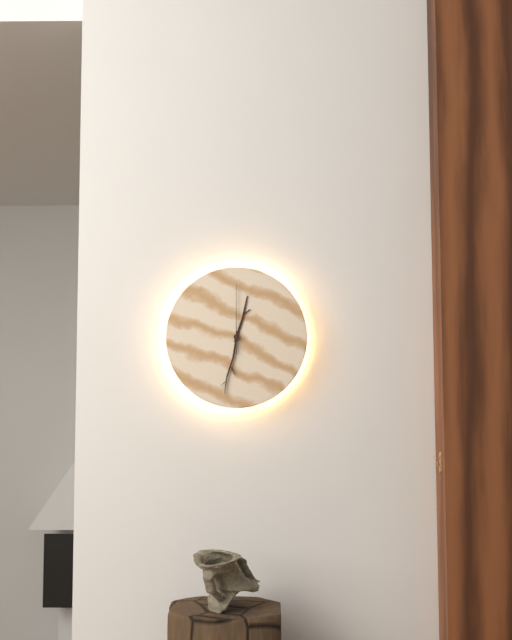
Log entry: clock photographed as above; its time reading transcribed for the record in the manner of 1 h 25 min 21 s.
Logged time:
12 h 32 min 00 s
